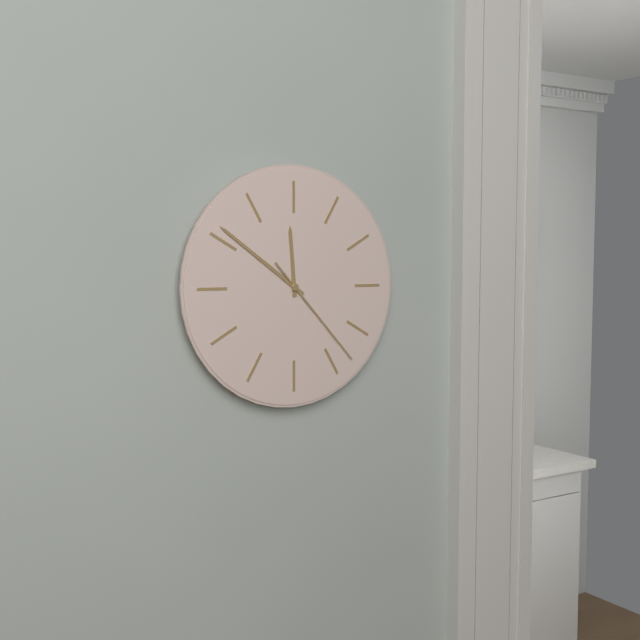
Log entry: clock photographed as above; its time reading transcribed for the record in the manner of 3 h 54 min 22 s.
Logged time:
11 h 51 min 23 s
